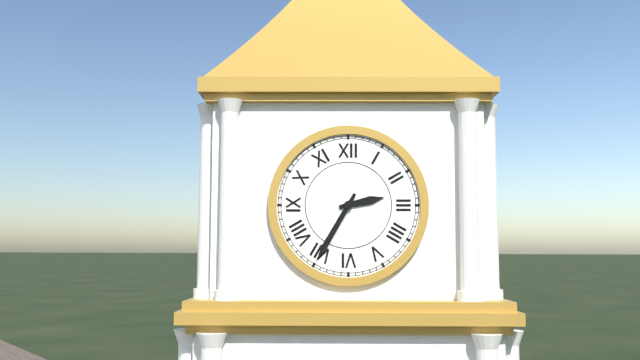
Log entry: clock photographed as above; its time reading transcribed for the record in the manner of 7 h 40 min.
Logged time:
2 h 35 min
